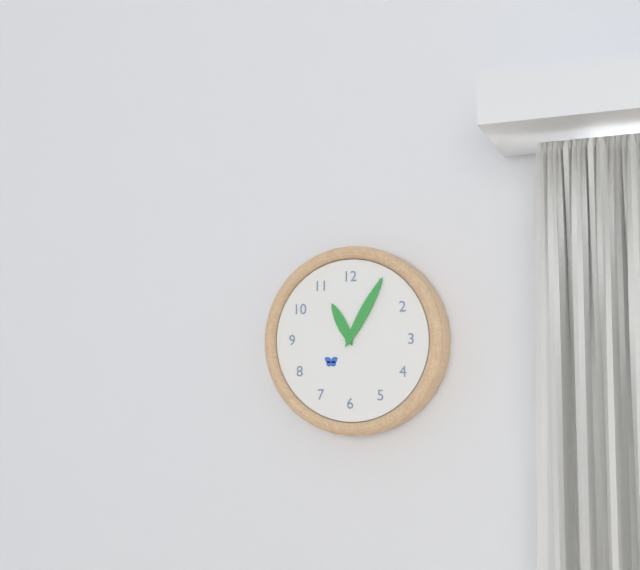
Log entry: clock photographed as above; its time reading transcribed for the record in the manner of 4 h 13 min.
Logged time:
11 h 05 min
